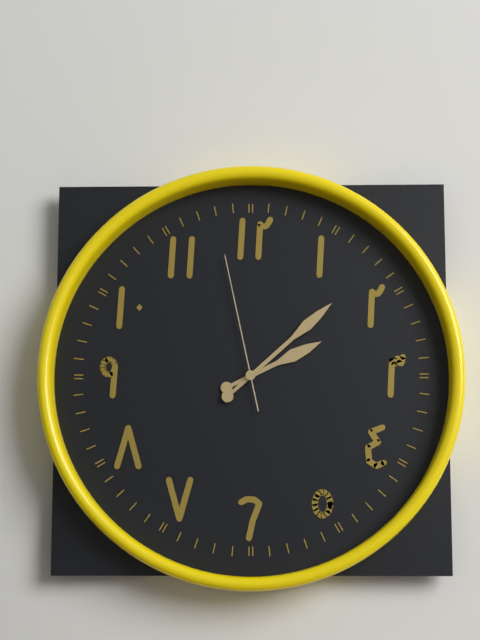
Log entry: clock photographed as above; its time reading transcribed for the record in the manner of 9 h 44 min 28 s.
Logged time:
2 h 08 min 58 s
